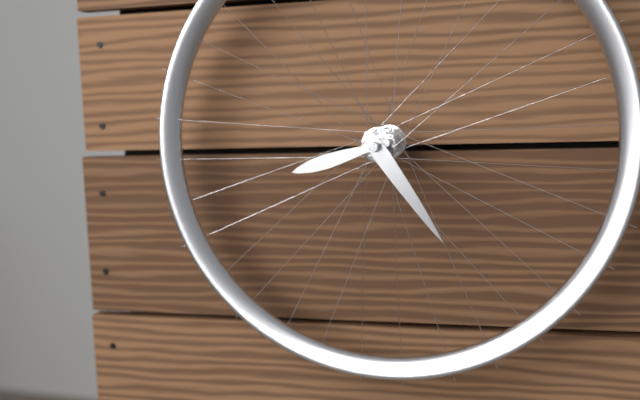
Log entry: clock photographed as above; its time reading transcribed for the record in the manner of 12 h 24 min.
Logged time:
8 h 24 min
